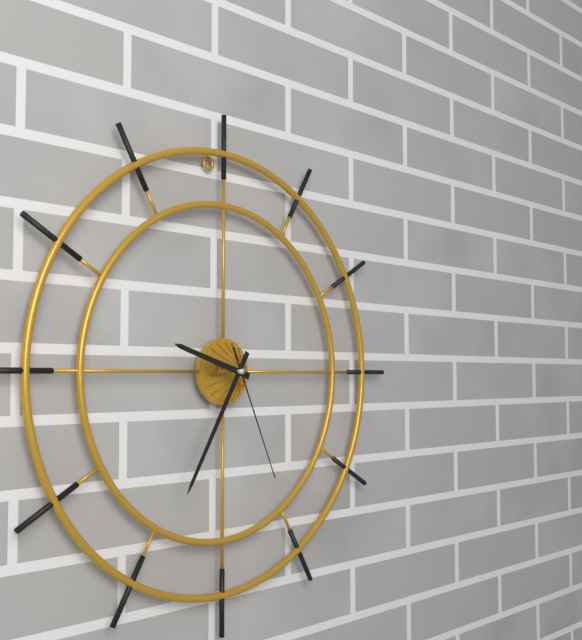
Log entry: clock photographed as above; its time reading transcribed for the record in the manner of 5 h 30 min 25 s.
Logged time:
9 h 35 min 26 s
